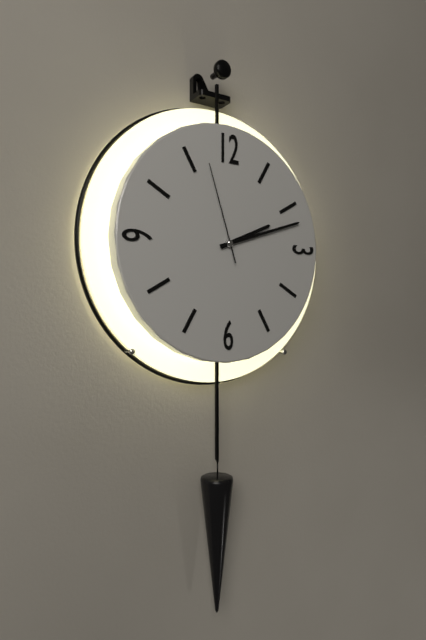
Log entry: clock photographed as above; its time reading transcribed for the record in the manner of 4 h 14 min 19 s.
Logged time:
2 h 12 min 57 s
